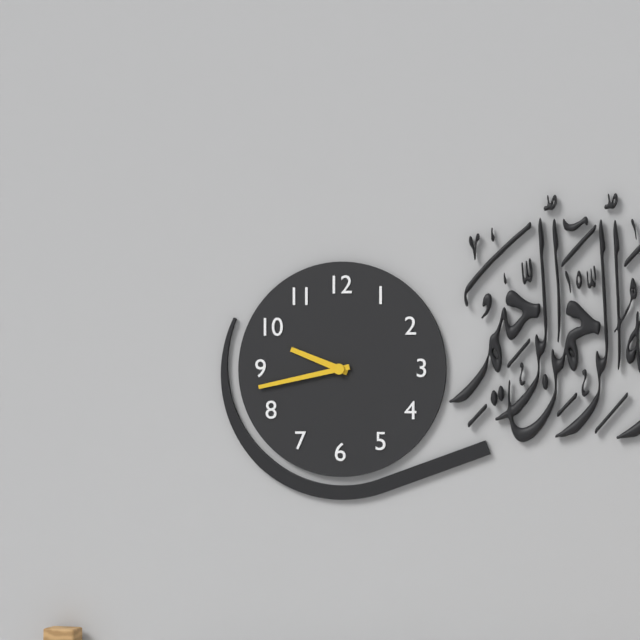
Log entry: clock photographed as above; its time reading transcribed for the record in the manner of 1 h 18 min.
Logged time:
9 h 43 min
